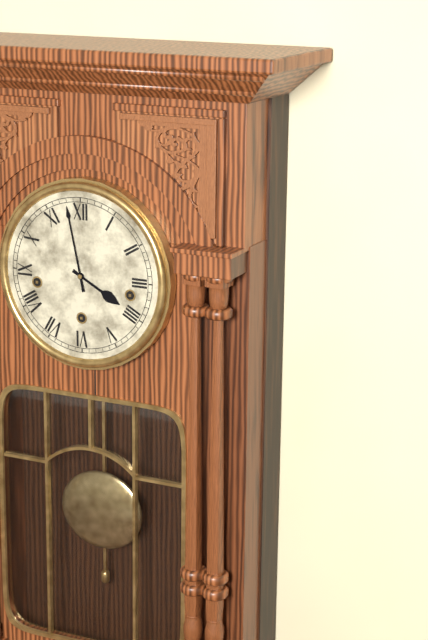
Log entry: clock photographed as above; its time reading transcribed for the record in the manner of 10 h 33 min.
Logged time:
3 h 58 min
